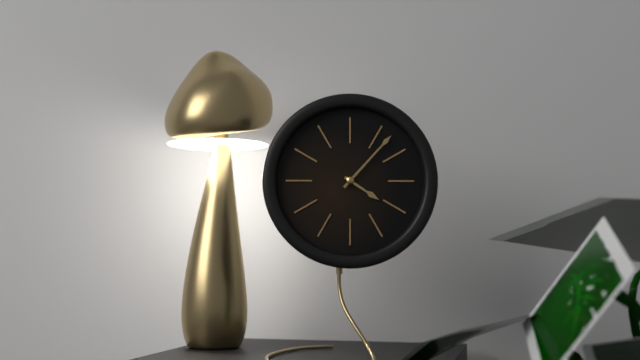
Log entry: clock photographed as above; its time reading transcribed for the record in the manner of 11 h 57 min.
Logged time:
4 h 07 min
